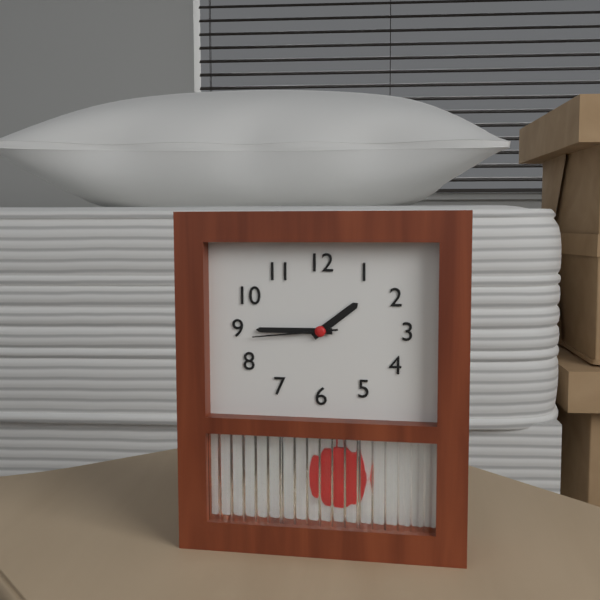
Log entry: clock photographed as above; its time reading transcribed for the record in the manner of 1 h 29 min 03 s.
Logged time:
1 h 45 min 44 s
